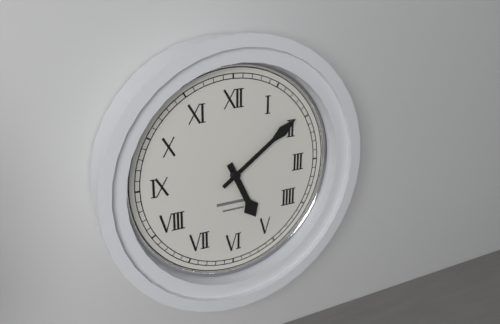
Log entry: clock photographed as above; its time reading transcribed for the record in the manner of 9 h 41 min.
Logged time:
5 h 09 min
